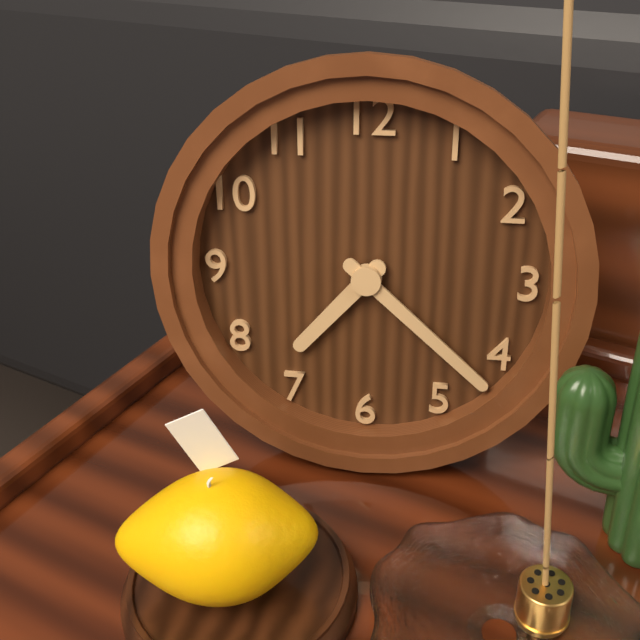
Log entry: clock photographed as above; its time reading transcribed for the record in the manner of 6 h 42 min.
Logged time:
7 h 22 min
